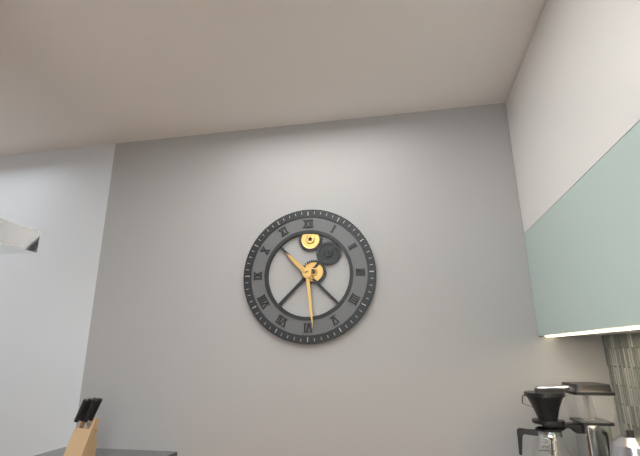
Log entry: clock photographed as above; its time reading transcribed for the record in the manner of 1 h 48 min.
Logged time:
10 h 29 min
